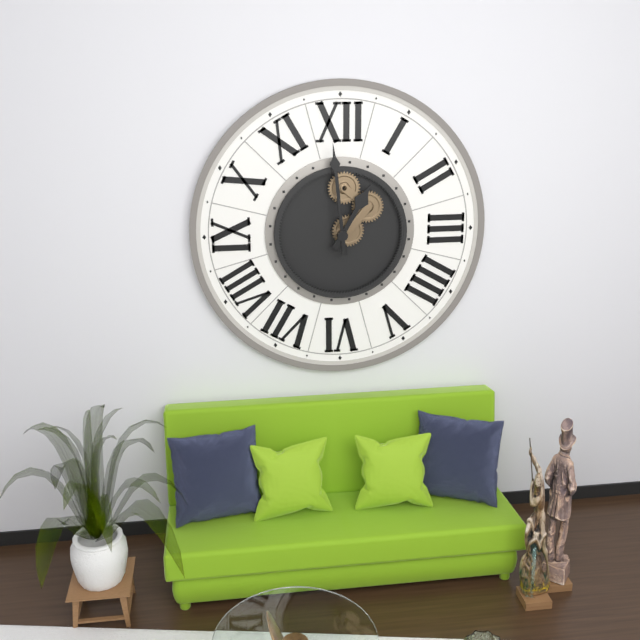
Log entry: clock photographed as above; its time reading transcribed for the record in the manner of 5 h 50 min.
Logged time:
12 h 59 min
